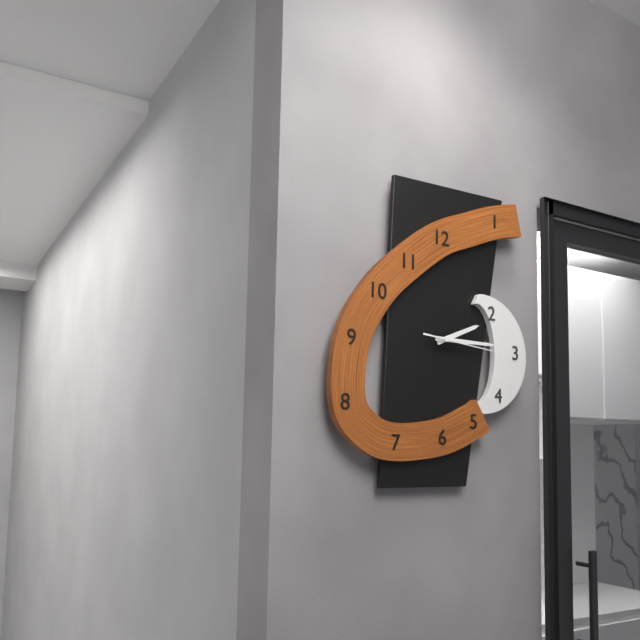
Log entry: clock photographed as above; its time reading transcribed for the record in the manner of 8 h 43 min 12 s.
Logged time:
2 h 15 min 16 s
